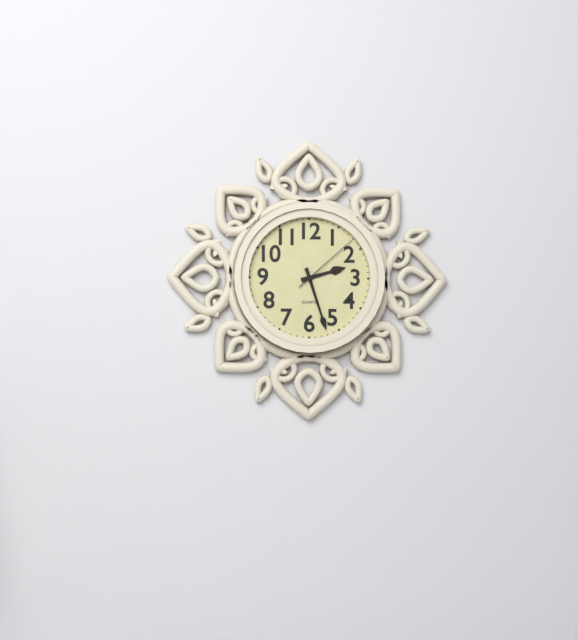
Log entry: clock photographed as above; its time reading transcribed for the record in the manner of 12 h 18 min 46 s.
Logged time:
2 h 27 min 08 s
